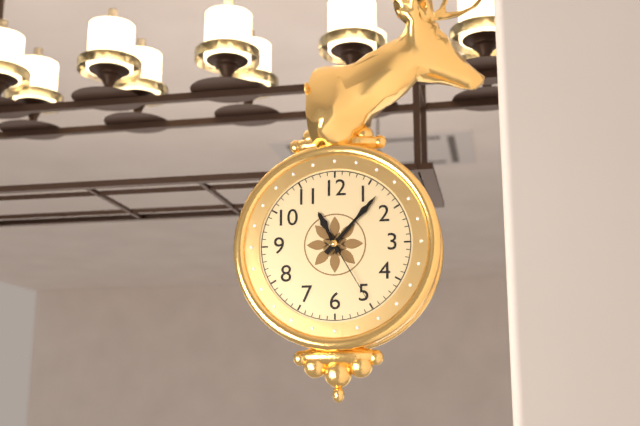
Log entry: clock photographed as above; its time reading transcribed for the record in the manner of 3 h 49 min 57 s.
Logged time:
11 h 07 min 25 s
